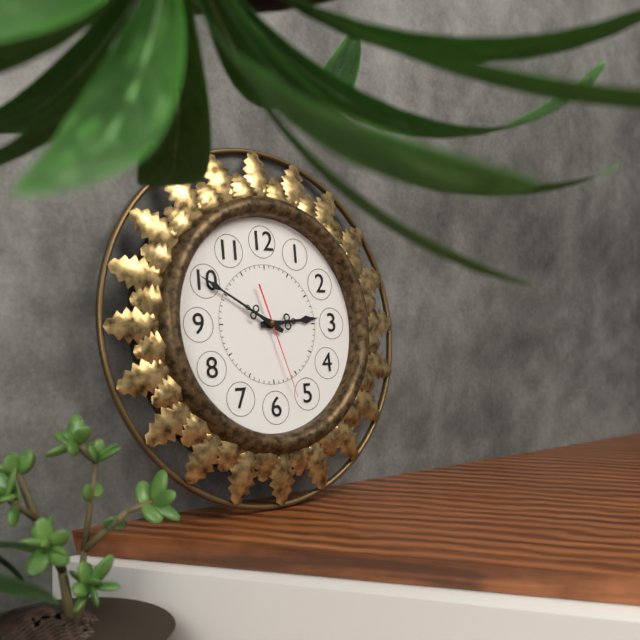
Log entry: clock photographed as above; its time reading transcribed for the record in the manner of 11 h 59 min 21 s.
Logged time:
2 h 50 min 27 s
